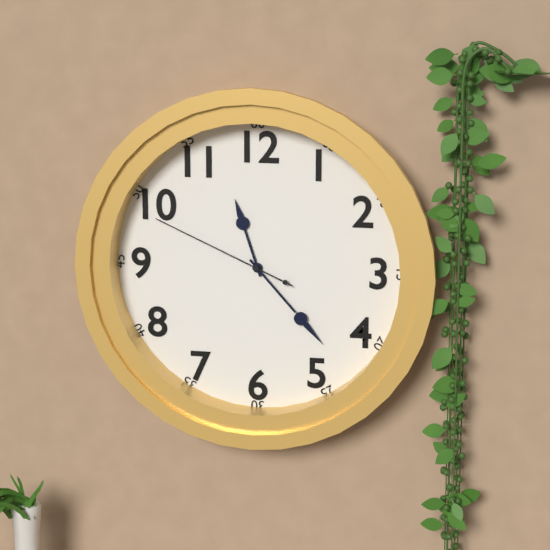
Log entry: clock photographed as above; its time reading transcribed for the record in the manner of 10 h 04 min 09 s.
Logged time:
11 h 23 min 49 s
